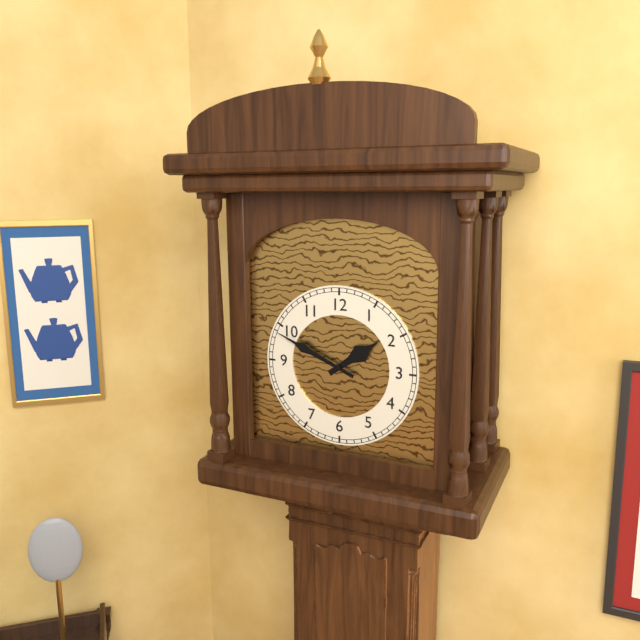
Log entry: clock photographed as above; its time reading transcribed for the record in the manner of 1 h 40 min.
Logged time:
1 h 49 min
